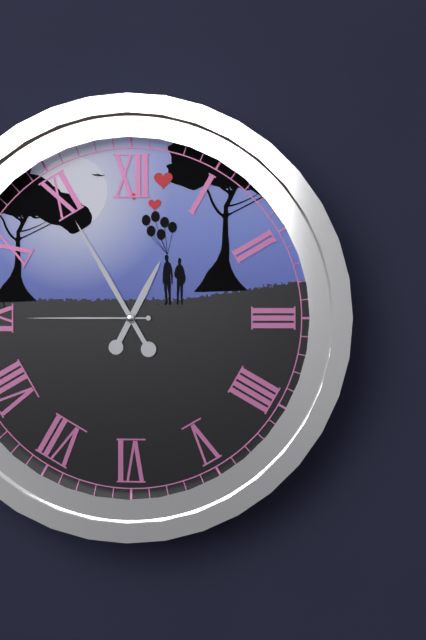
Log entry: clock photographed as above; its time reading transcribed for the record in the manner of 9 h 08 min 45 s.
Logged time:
12 h 55 min 45 s
